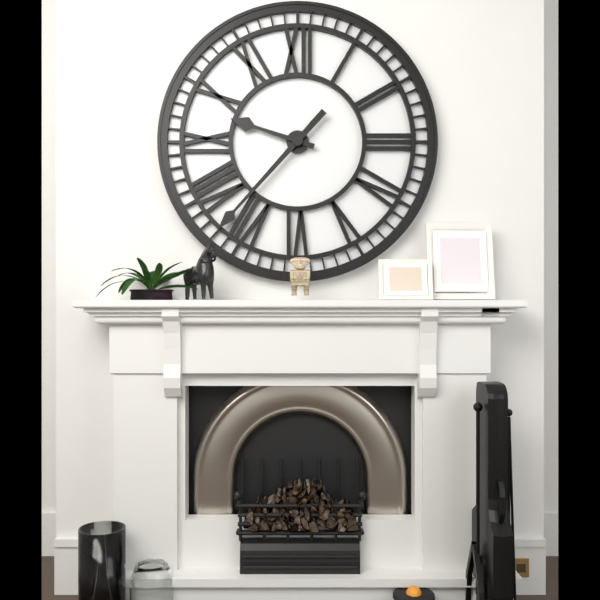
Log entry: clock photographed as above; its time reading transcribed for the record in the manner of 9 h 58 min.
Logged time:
9 h 37 min
